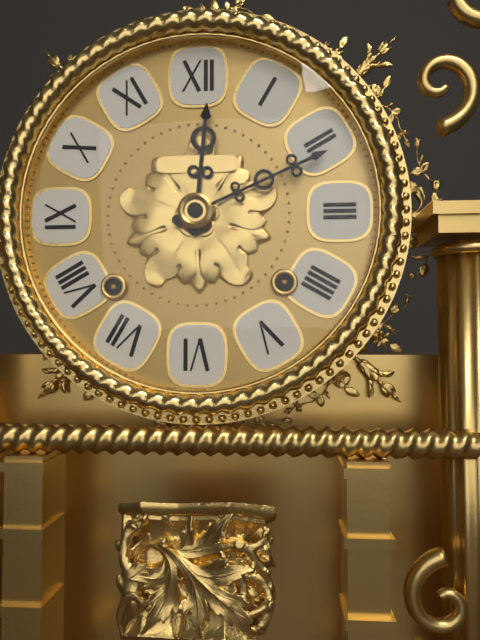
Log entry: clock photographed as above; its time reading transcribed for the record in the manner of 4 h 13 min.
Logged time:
12 h 11 min
